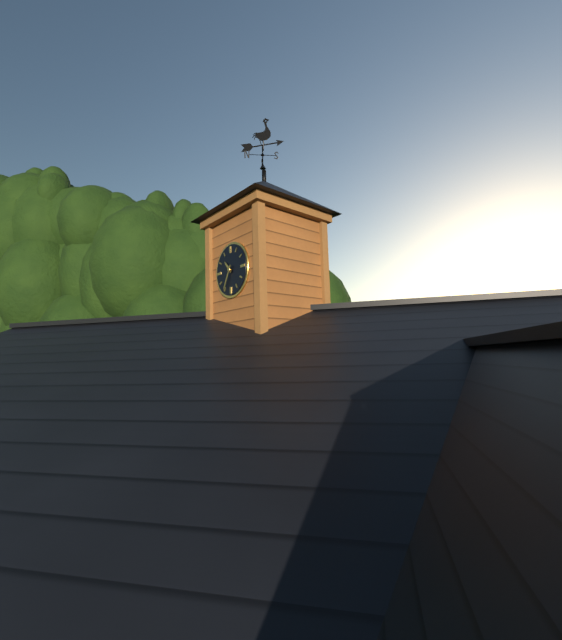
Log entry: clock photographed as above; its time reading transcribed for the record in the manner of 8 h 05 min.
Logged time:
10 h 35 min
